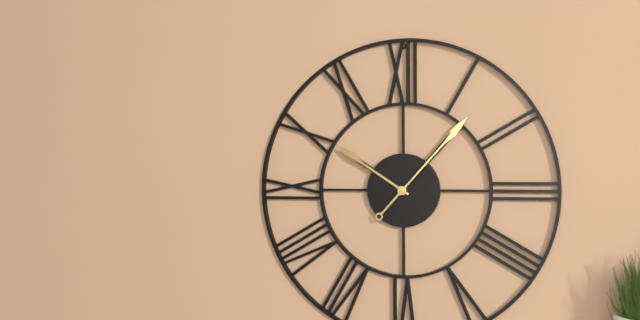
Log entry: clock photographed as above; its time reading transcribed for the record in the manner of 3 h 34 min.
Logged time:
10 h 07 min
